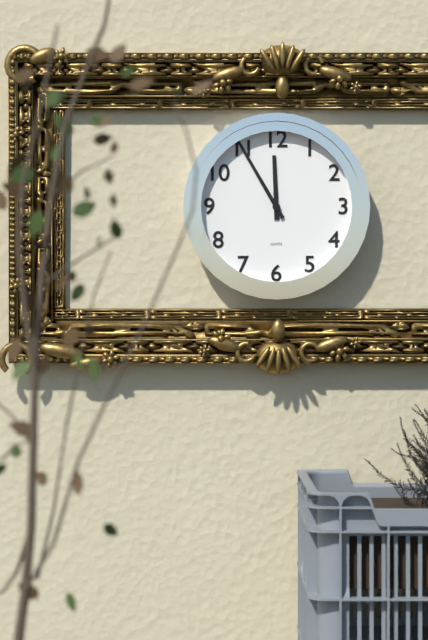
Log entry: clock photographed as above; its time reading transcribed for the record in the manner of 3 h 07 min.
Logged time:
11 h 55 min
